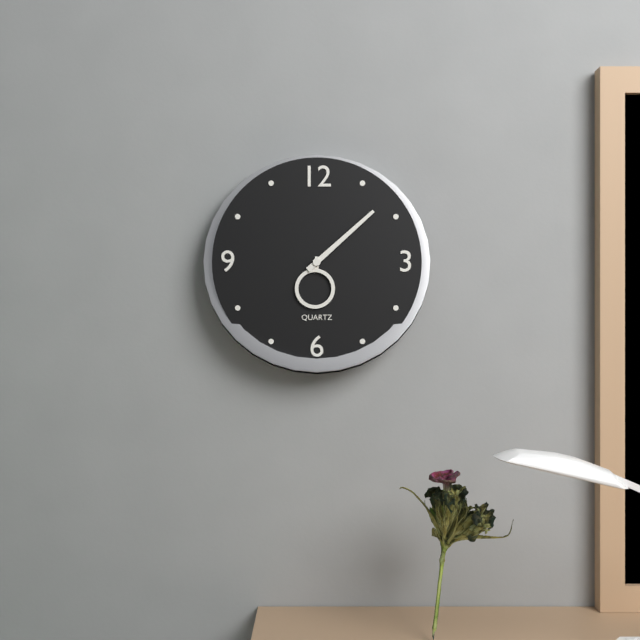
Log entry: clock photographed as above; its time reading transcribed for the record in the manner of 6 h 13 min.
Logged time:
6 h 08 min
